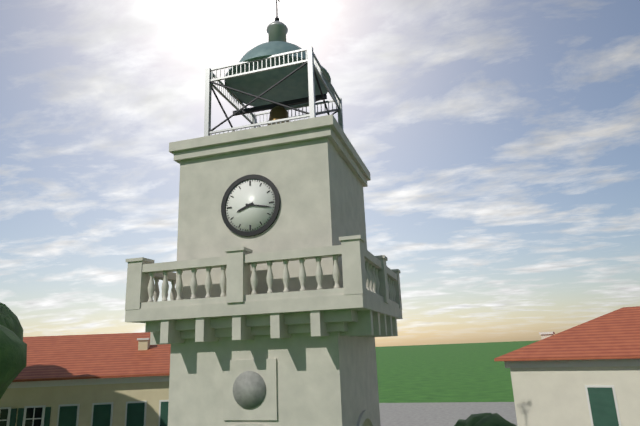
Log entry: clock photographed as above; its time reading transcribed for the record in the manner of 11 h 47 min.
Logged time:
8 h 17 min
